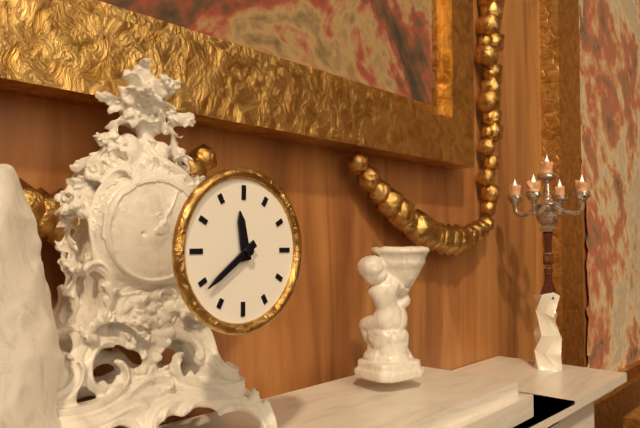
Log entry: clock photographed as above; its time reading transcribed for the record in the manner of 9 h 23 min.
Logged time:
11 h 39 min
